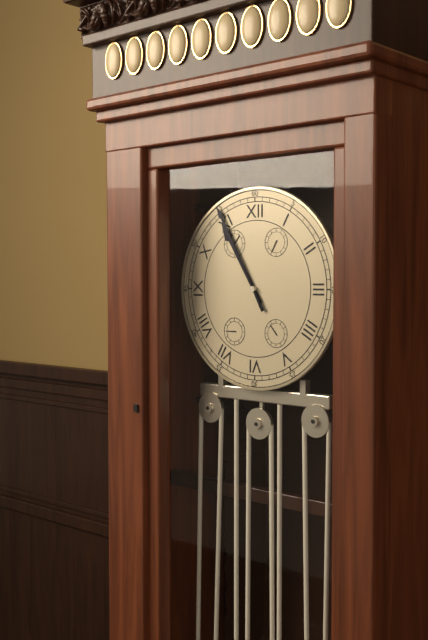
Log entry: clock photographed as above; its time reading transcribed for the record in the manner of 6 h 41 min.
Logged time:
10 h 55 min
